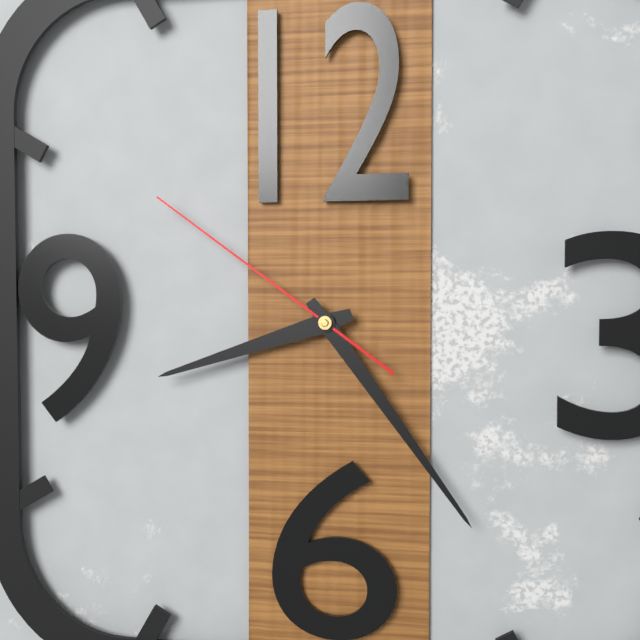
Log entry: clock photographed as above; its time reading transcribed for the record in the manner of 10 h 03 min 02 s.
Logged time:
8 h 24 min 51 s
